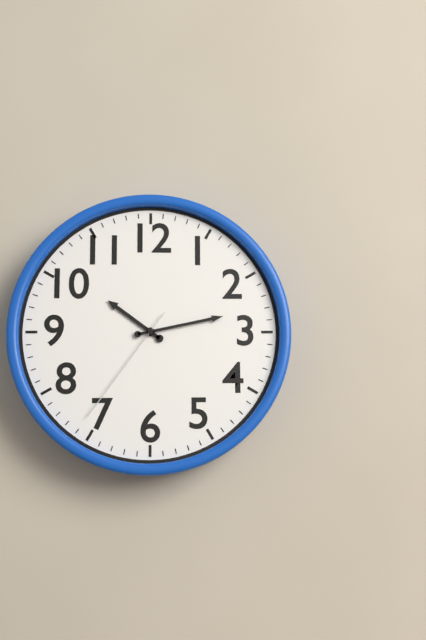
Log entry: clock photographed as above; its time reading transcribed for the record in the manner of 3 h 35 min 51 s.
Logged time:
10 h 13 min 36 s
